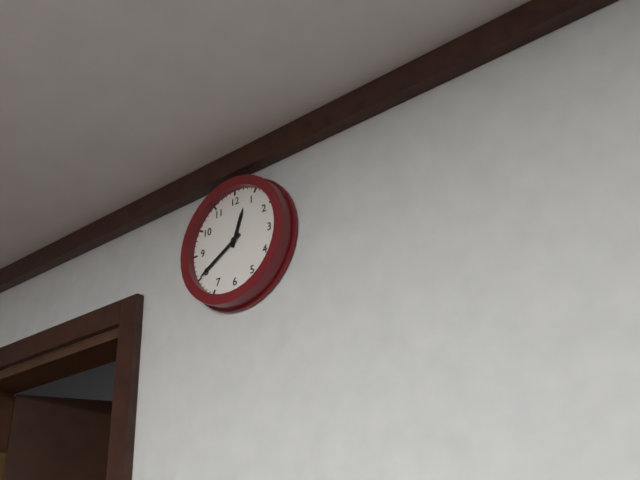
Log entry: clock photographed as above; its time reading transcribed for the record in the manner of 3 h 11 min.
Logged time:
12 h 40 min
